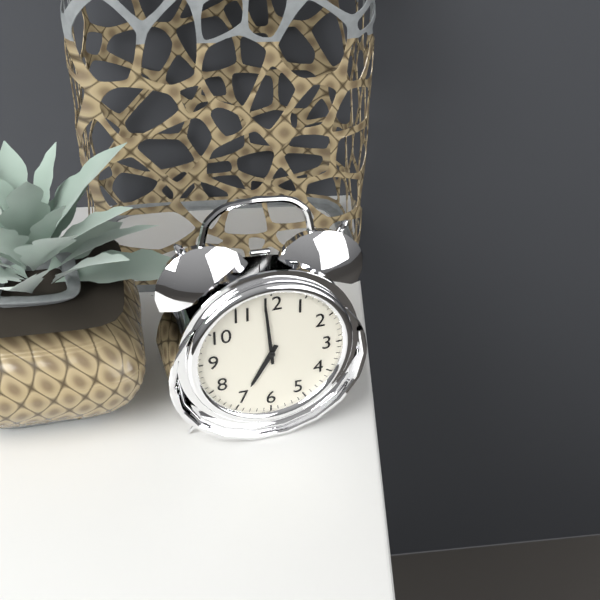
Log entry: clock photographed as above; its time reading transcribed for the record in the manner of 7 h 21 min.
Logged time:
6 h 59 min
